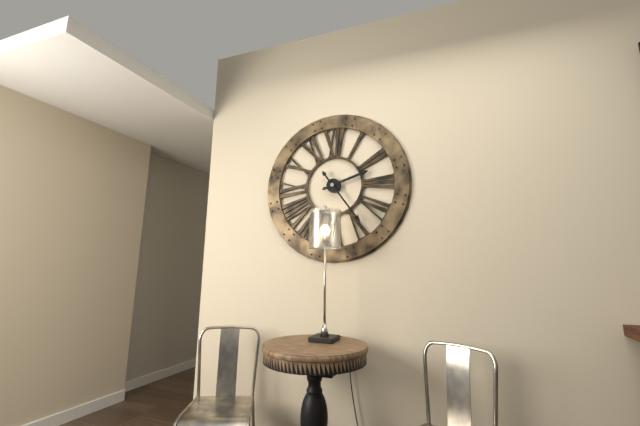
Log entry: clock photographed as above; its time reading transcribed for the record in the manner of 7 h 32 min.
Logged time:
2 h 24 min
